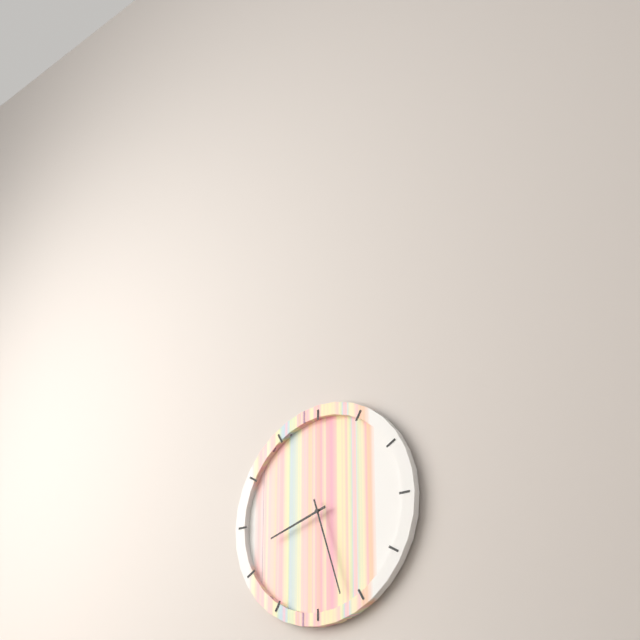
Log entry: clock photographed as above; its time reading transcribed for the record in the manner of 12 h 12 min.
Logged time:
8 h 27 min
